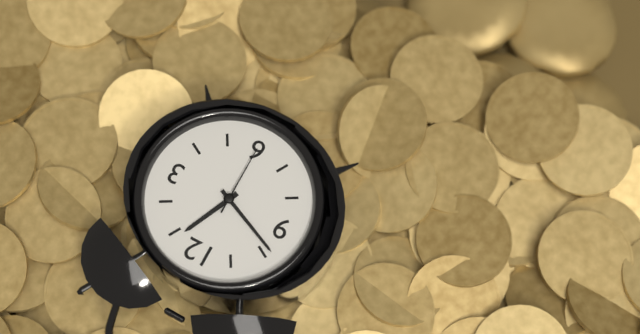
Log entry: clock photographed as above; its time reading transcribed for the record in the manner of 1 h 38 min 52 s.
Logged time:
12 h 49 min 30 s
